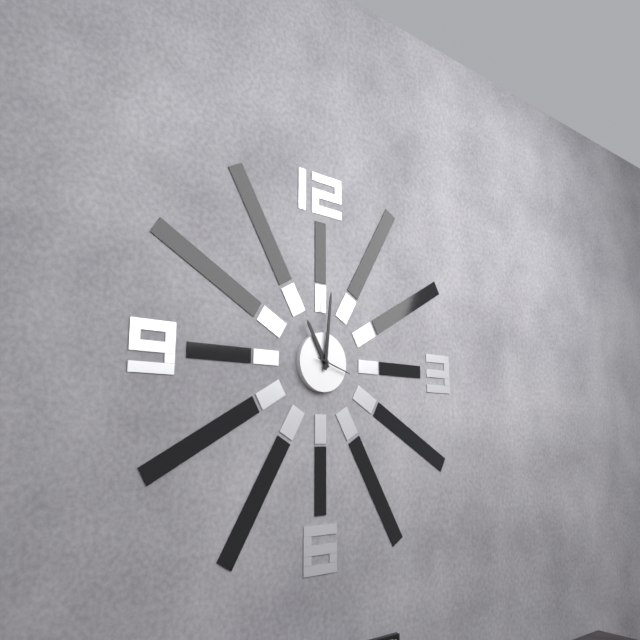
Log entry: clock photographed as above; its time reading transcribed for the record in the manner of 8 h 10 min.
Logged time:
11 h 01 min
